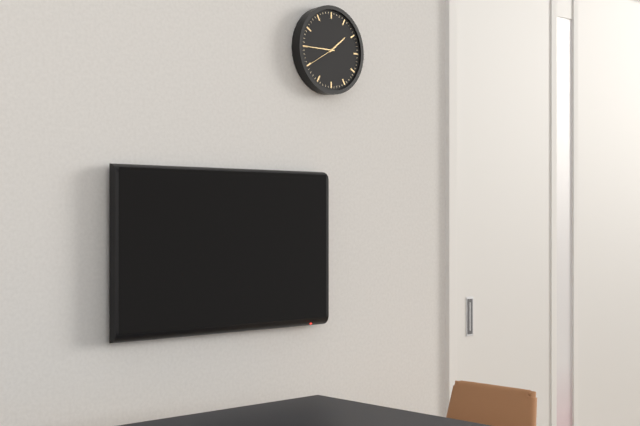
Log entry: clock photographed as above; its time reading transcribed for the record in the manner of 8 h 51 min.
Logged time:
1 h 45 min
